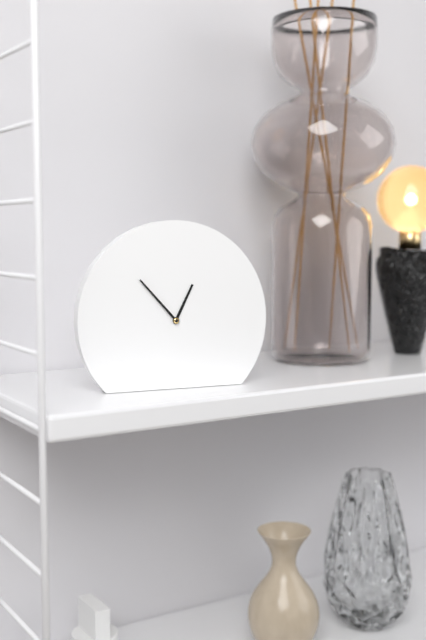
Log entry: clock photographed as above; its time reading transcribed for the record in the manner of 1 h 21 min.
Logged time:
12 h 53 min
